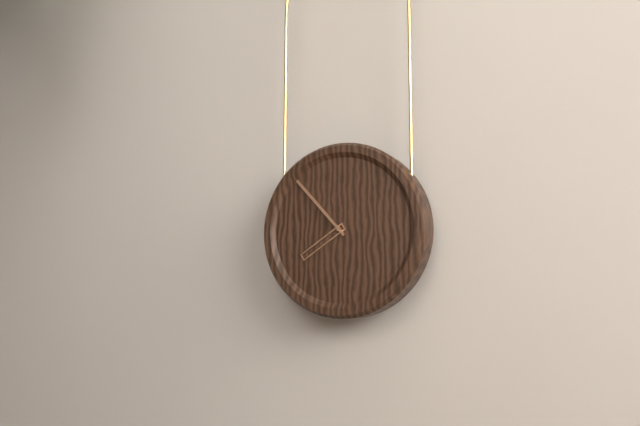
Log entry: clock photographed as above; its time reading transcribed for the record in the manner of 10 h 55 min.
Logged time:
7 h 53 min
